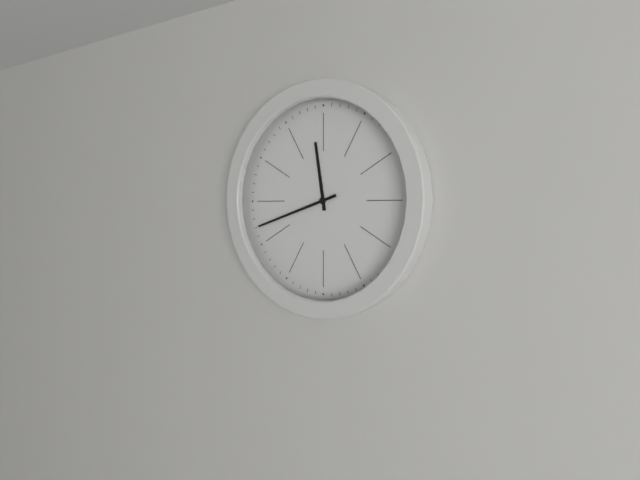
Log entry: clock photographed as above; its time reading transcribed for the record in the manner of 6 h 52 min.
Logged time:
11 h 42 min
